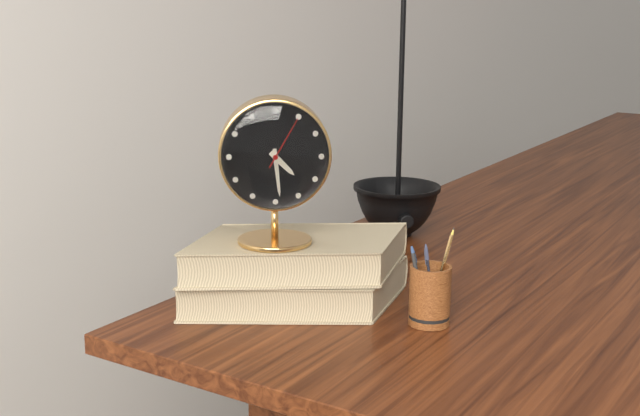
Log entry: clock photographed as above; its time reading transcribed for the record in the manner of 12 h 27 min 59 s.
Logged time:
4 h 29 min 05 s
